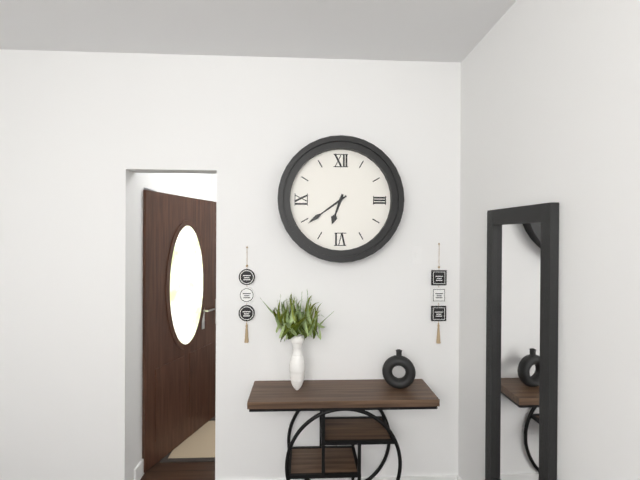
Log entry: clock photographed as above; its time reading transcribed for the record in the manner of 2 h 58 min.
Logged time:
6 h 39 min
